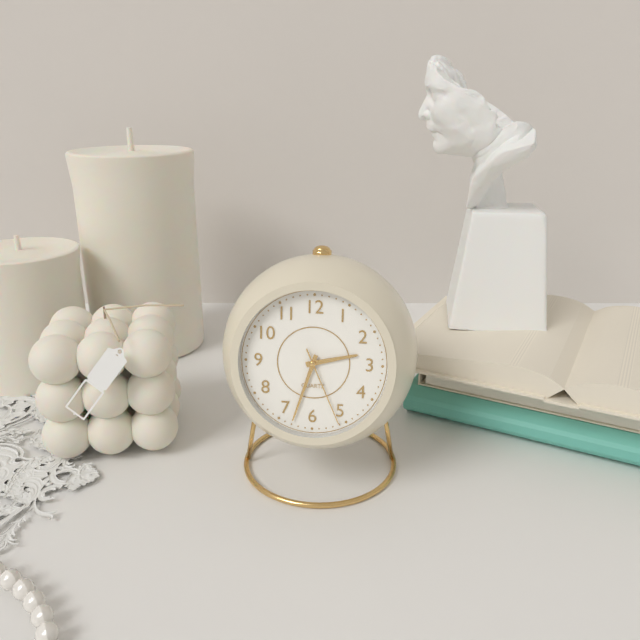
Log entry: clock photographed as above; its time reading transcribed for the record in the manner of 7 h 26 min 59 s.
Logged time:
2 h 33 min 26 s
